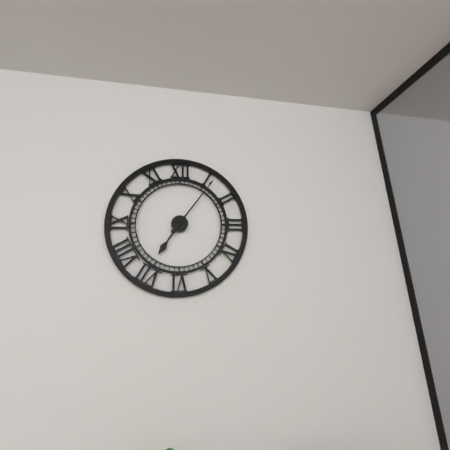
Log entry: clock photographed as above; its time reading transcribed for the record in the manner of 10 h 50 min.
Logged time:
7 h 06 min
